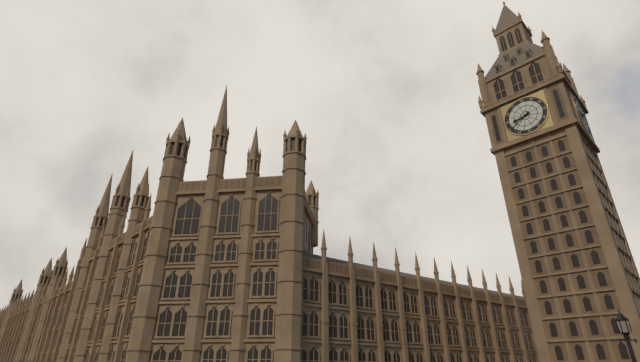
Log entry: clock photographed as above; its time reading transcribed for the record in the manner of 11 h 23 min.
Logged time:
8 h 40 min
